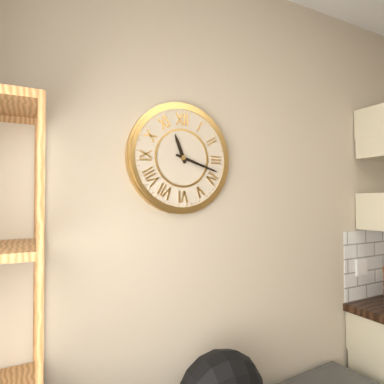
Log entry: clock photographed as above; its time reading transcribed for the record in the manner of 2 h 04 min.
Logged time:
11 h 18 min
